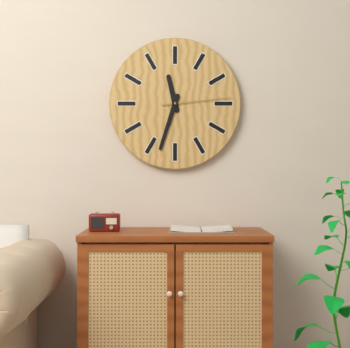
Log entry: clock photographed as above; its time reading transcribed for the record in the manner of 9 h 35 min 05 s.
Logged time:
11 h 33 min 14 s
